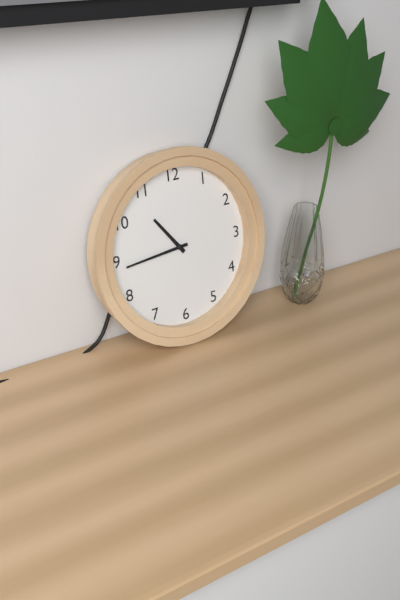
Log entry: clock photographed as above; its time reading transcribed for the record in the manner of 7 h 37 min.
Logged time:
10 h 44 min
